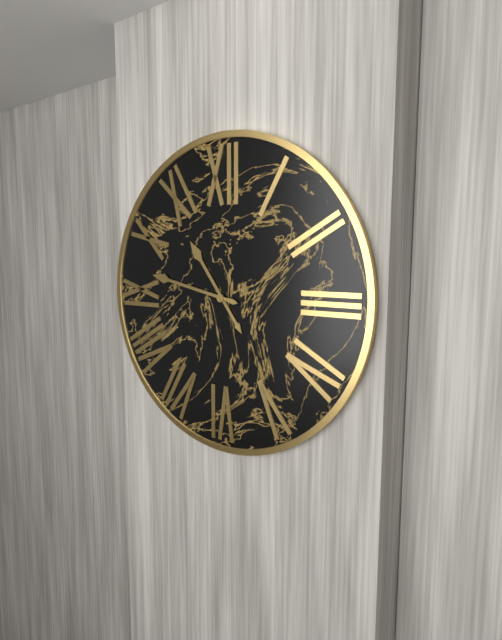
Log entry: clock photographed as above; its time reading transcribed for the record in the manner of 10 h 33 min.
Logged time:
10 h 47 min
